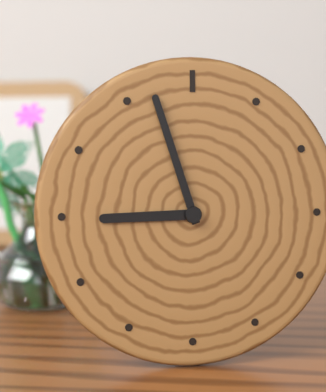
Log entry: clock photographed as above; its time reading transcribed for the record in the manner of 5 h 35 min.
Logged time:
8 h 57 min
